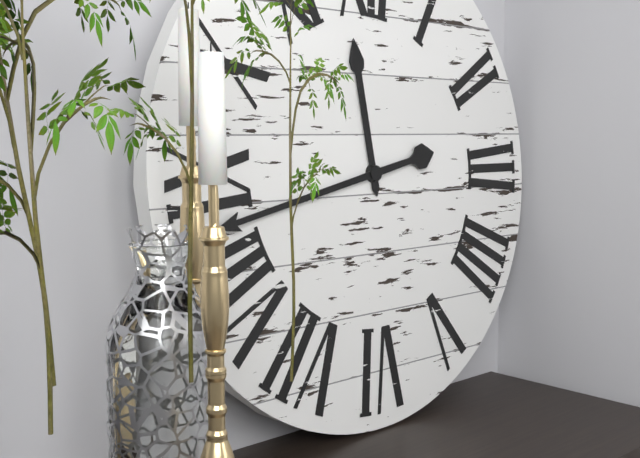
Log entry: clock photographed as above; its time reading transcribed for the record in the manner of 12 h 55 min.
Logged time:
11 h 43 min
